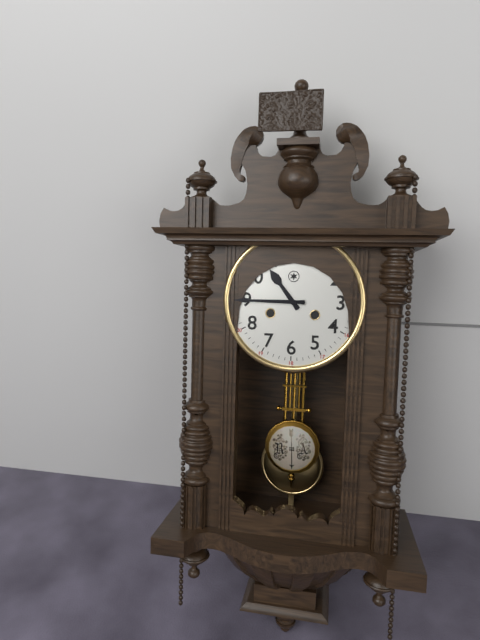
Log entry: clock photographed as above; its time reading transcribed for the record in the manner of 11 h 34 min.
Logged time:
10 h 45 min
